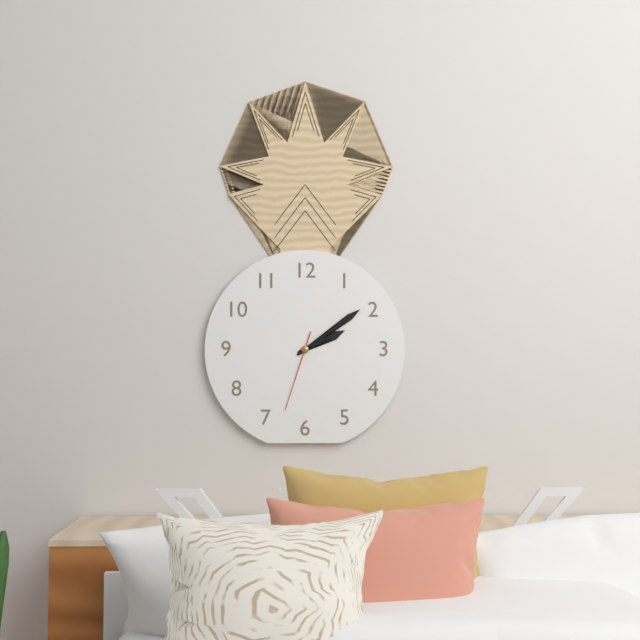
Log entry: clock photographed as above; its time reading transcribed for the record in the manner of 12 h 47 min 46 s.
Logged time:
2 h 09 min 33 s
